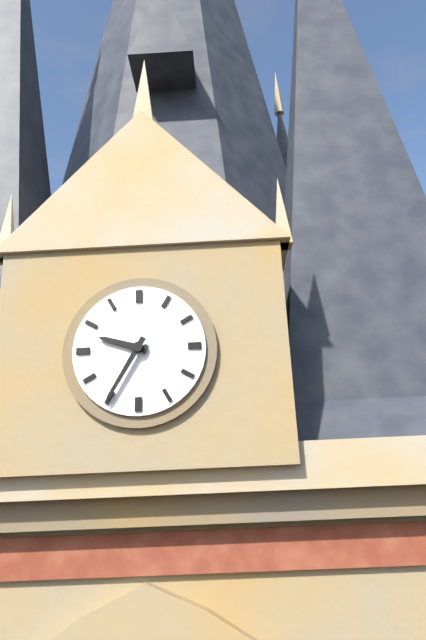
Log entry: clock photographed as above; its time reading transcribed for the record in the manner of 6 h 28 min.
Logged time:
9 h 35 min
